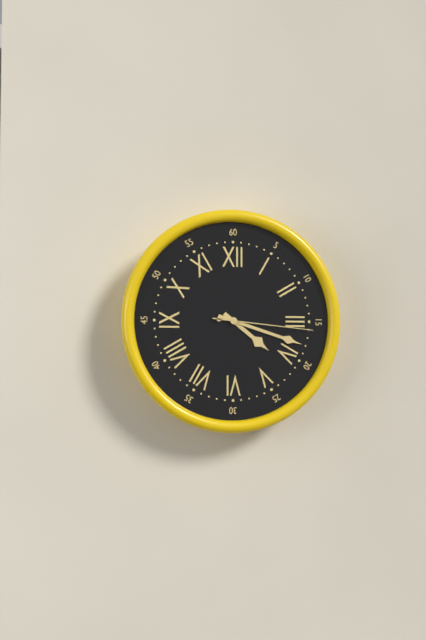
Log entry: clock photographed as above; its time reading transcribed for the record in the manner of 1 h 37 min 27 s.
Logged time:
4 h 18 min 16 s
